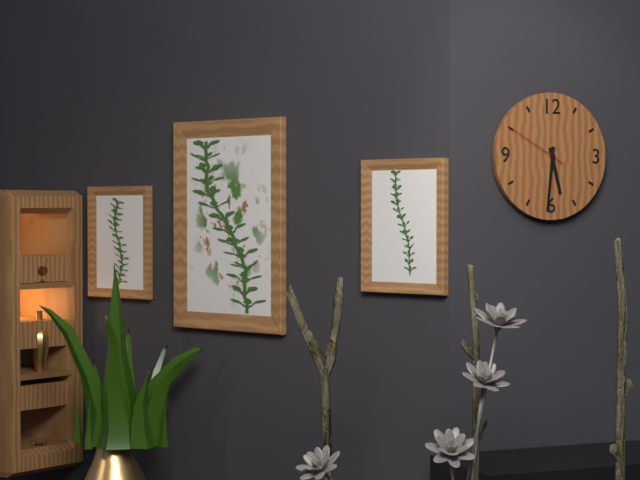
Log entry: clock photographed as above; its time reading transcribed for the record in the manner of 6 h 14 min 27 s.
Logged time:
5 h 31 min 50 s
